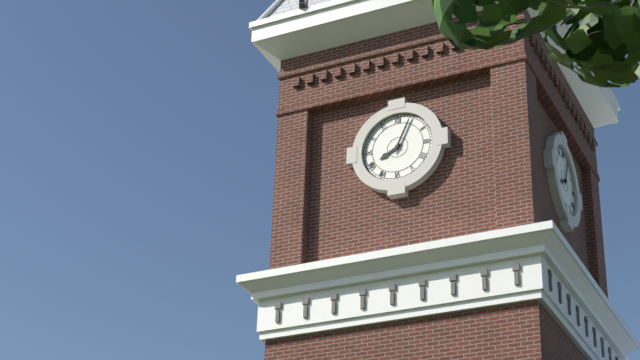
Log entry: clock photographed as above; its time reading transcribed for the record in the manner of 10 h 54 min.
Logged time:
8 h 04 min
